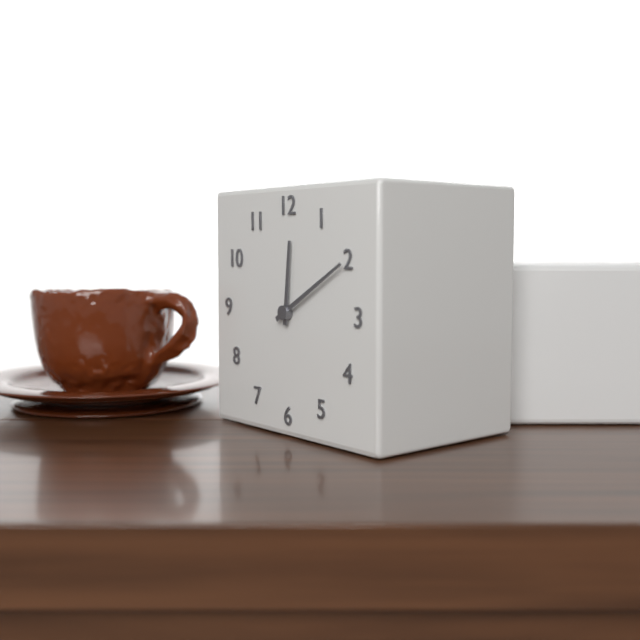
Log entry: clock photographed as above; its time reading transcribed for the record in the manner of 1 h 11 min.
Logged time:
12 h 10 min
